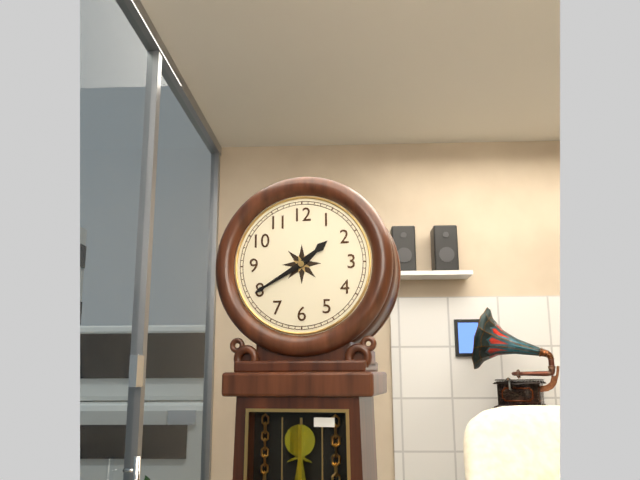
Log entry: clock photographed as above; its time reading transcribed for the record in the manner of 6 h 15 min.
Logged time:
1 h 40 min
